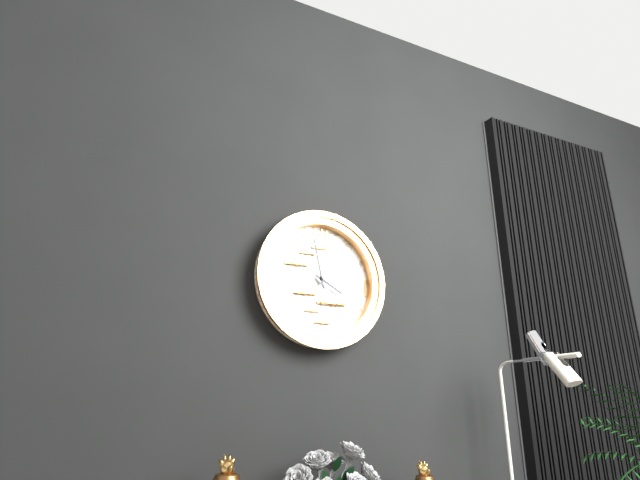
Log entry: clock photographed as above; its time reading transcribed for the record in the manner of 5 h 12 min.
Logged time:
3 h 58 min
